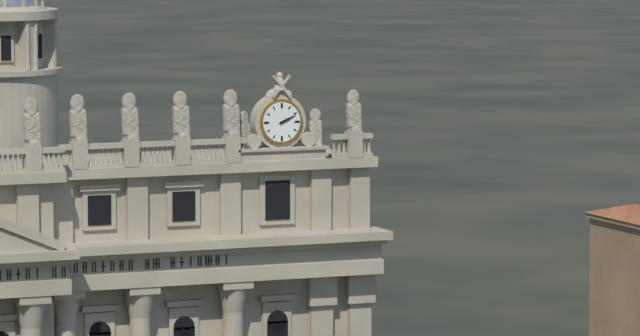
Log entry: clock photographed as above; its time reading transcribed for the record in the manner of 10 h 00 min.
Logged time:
2 h 11 min
